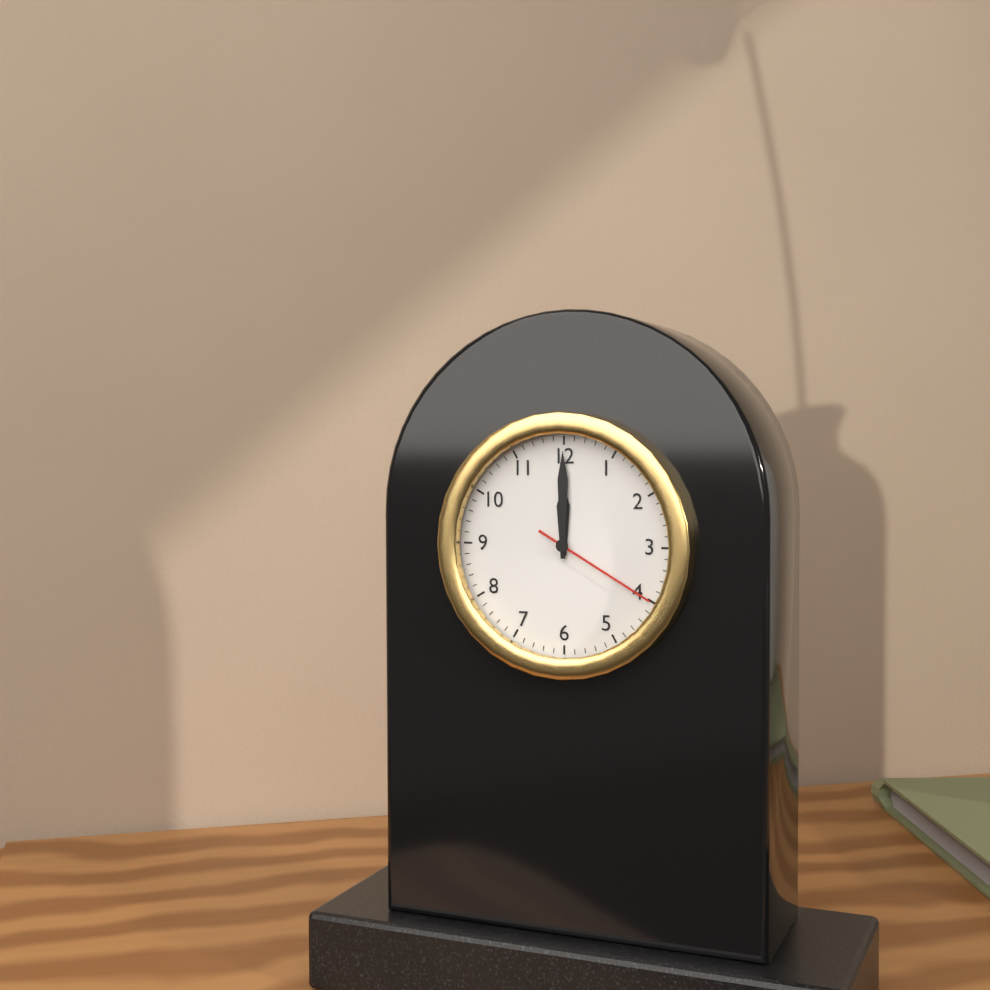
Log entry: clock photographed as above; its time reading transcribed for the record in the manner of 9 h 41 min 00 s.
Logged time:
12 h 00 min 20 s
